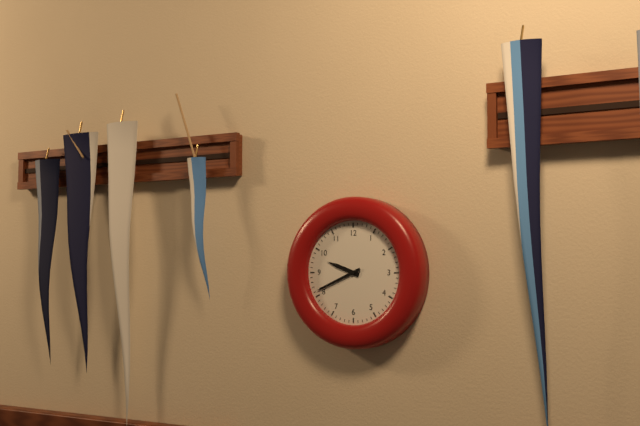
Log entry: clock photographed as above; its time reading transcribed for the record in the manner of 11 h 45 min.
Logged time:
9 h 41 min
